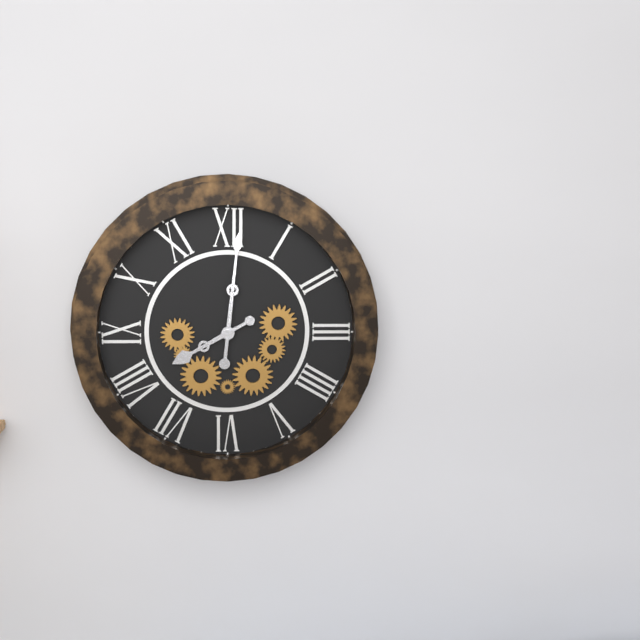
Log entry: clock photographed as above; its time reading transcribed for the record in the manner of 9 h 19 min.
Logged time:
8 h 01 min
